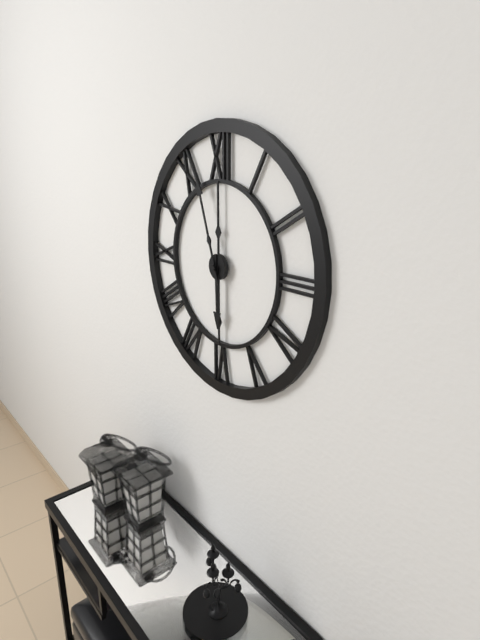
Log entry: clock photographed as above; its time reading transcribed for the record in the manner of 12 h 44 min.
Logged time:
5 h 57 min
